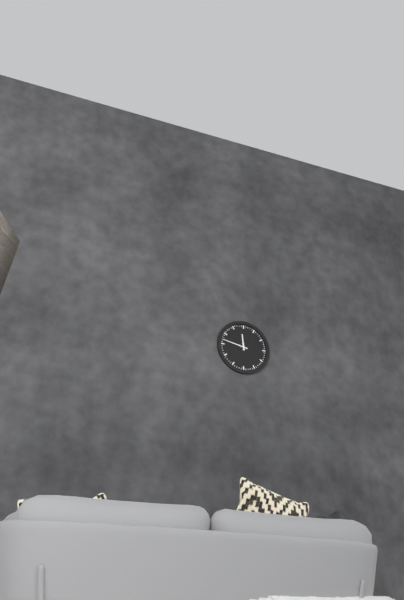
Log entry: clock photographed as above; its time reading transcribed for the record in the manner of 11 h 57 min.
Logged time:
11 h 47 min
